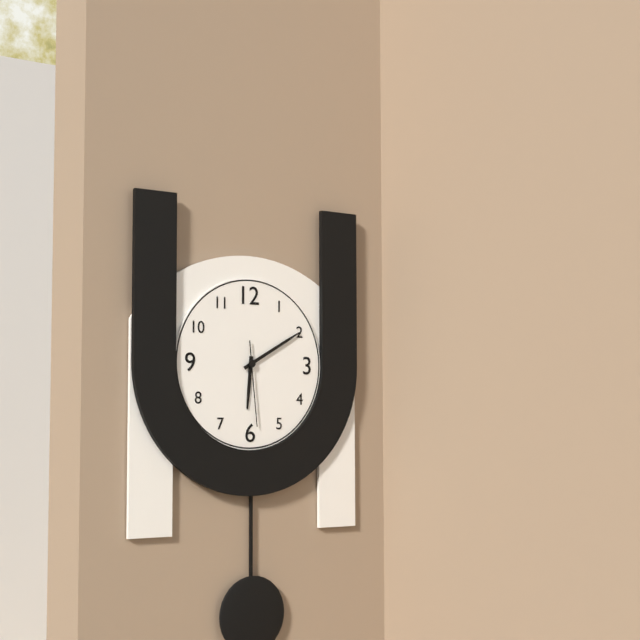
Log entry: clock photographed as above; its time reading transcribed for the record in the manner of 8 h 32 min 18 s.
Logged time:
6 h 10 min 29 s
